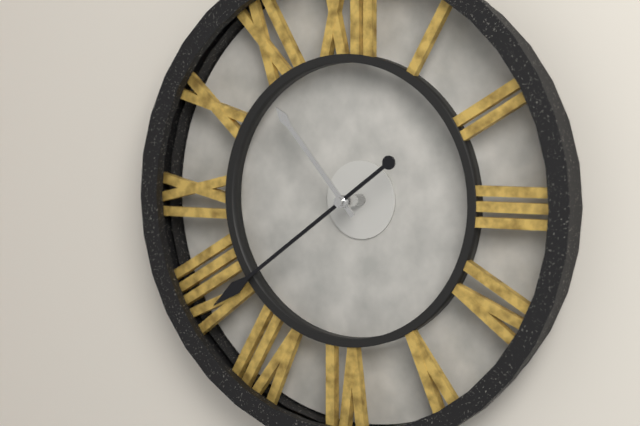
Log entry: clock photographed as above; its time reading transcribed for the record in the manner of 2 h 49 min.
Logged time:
10 h 39 min
